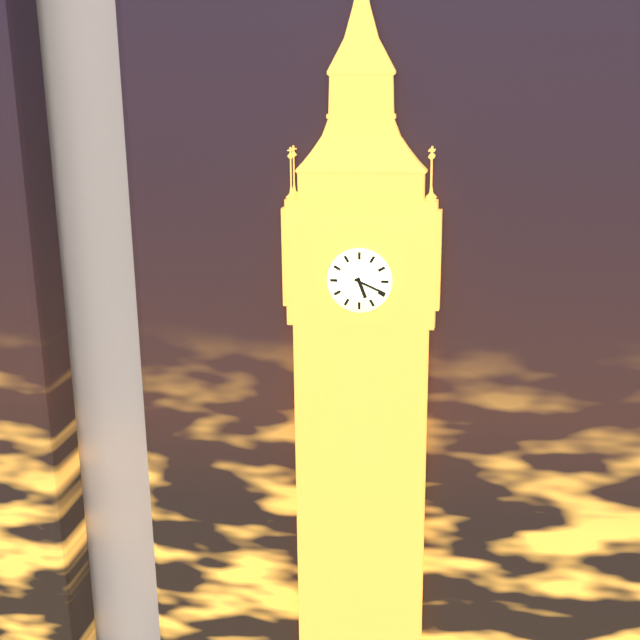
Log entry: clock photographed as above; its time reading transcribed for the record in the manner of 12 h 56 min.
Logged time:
5 h 19 min
